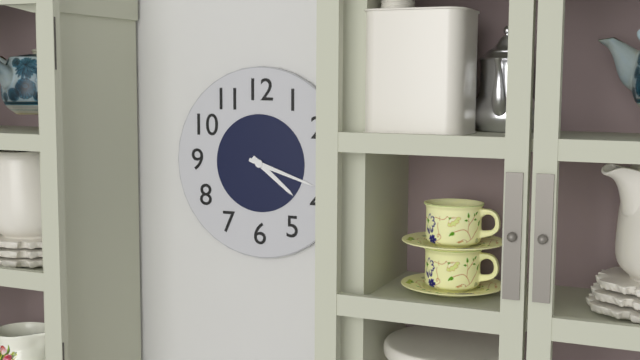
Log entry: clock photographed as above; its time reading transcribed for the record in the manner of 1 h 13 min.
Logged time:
4 h 18 min
